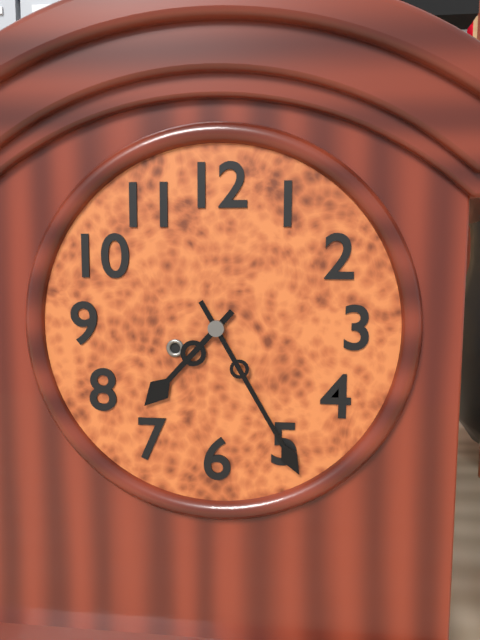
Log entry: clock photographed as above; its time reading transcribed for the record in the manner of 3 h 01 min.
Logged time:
7 h 25 min
